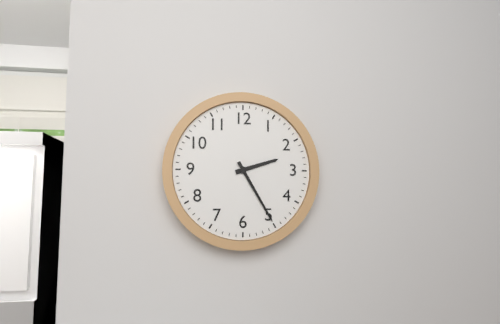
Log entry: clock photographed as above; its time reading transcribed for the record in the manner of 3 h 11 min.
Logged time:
2 h 25 min
